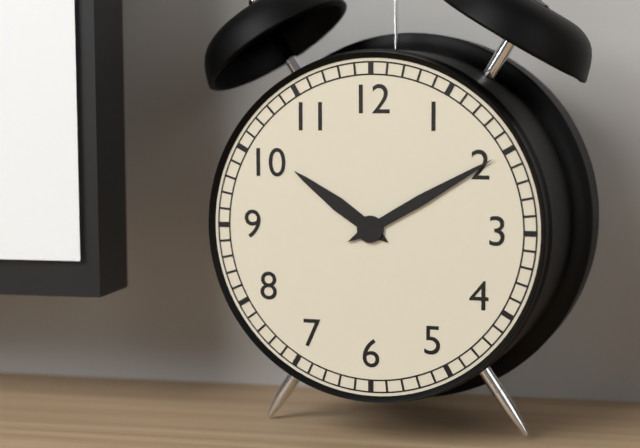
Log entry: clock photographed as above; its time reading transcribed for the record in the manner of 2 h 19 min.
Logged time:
10 h 10 min
